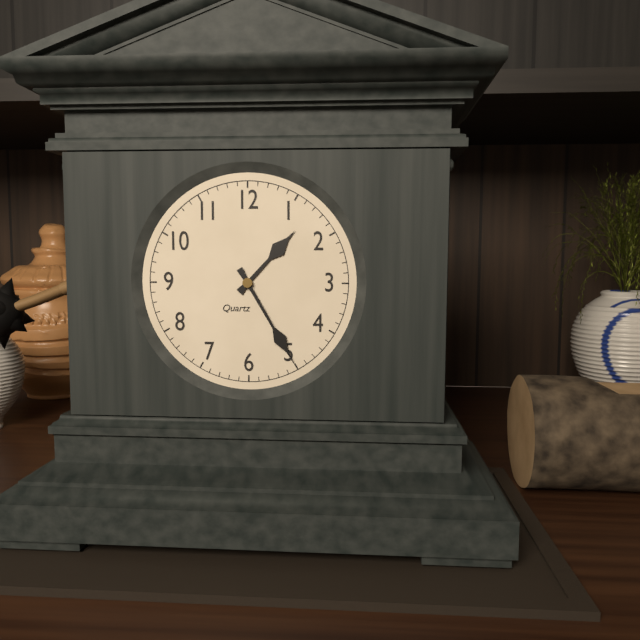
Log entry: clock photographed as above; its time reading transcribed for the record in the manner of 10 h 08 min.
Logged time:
1 h 25 min
